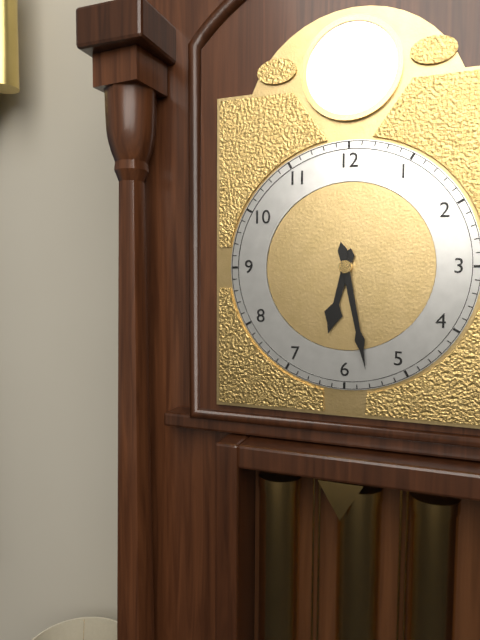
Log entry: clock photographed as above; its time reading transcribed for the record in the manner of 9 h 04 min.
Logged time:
6 h 28 min
